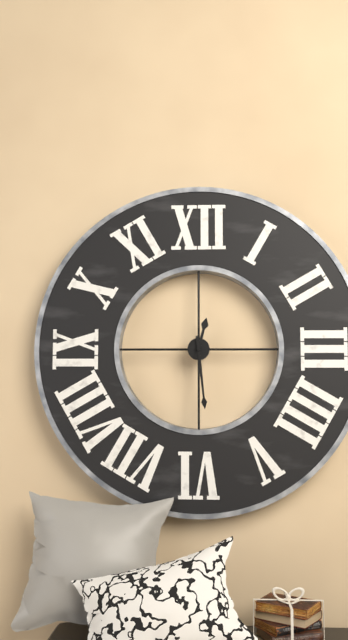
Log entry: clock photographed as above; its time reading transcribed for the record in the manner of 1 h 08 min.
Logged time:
12 h 29 min
